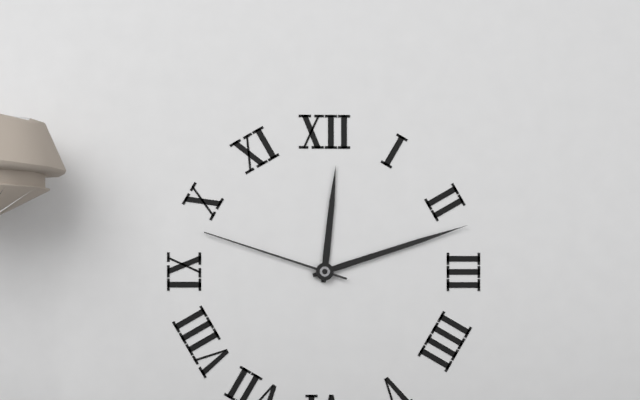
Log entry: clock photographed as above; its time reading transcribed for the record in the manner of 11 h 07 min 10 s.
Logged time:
12 h 12 min 48 s
